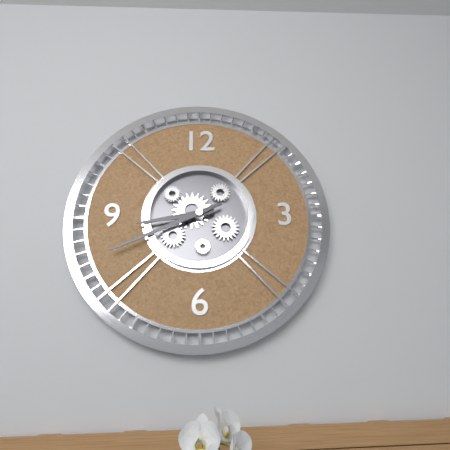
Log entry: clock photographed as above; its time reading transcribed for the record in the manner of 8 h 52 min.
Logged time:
8 h 41 min
